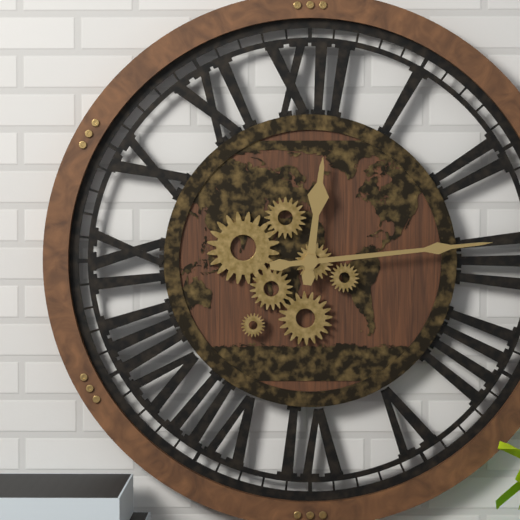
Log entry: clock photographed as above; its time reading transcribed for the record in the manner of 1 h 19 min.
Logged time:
12 h 14 min
